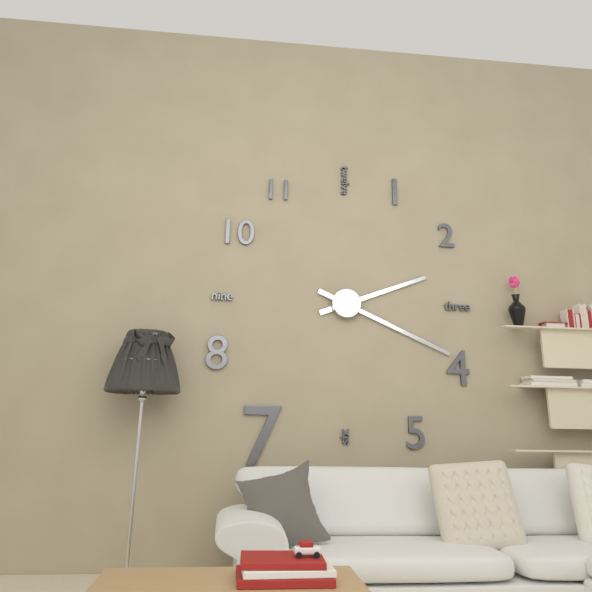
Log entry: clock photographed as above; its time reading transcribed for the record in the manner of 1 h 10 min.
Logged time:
2 h 19 min
